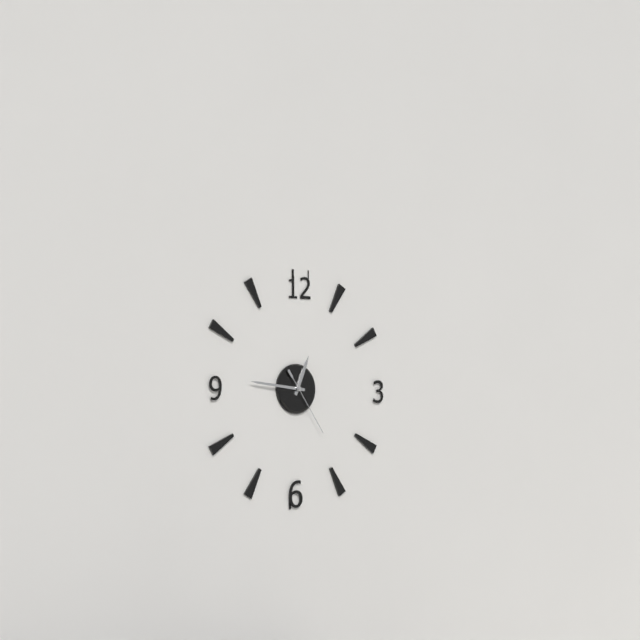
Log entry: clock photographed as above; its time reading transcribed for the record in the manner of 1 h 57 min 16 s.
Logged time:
12 h 46 min 24 s
